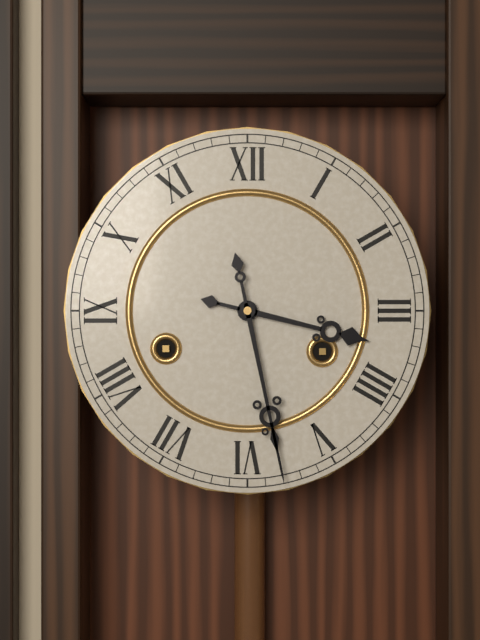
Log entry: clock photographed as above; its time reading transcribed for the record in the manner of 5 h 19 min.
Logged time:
3 h 28 min
